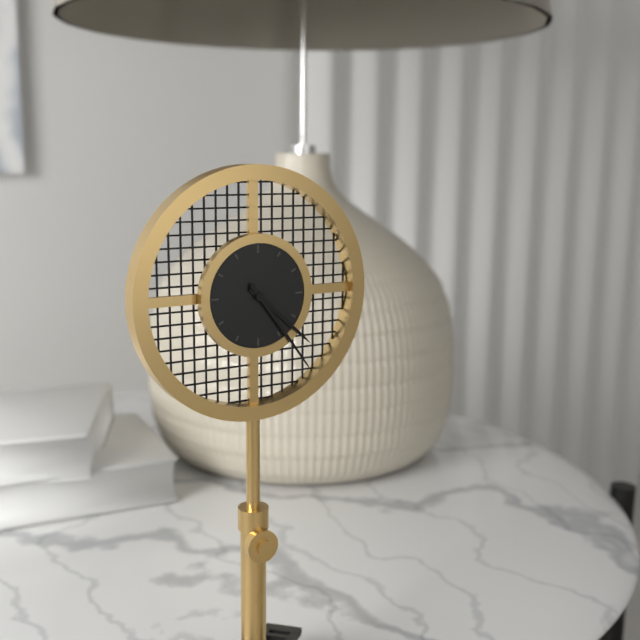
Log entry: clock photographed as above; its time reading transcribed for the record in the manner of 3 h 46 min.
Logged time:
4 h 24 min
